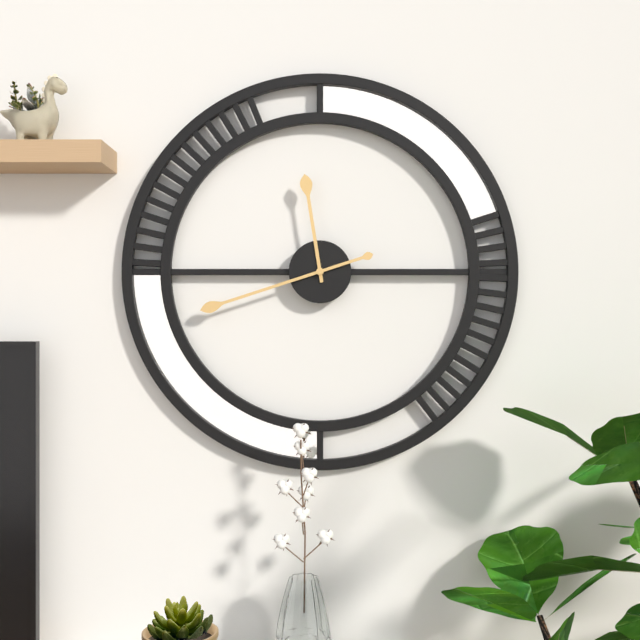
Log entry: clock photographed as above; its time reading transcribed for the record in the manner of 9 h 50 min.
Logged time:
11 h 42 min
